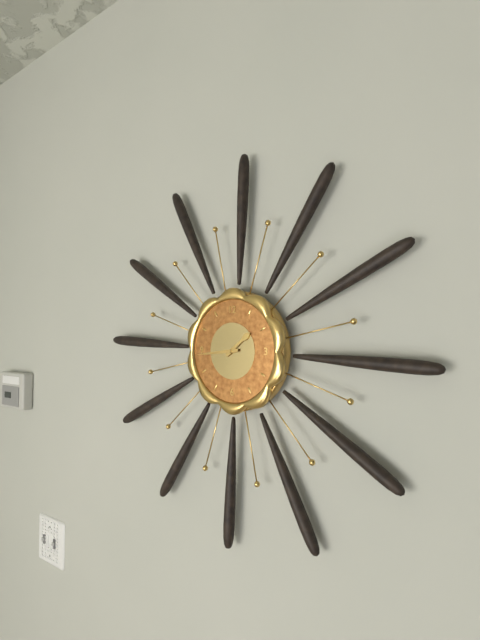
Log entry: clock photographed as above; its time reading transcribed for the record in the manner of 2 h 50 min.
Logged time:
1 h 44 min
